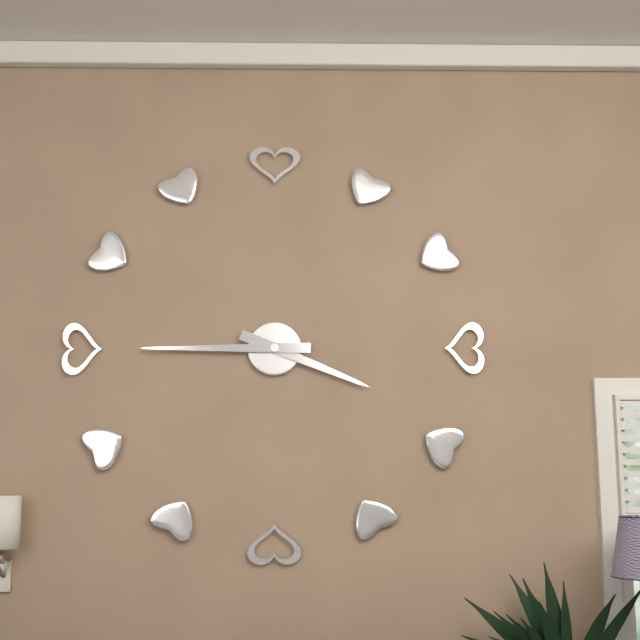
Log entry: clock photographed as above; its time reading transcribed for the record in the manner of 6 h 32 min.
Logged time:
3 h 45 min
